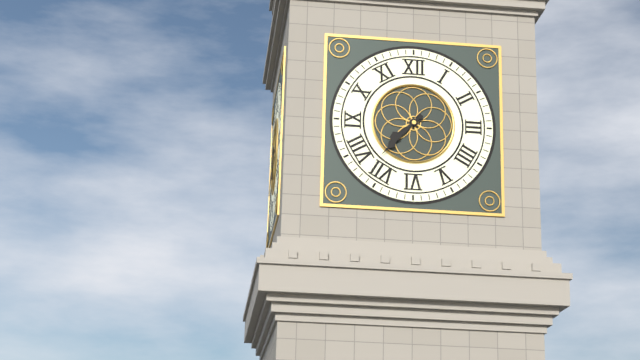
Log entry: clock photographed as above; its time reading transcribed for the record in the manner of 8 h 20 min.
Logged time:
7 h 37 min
